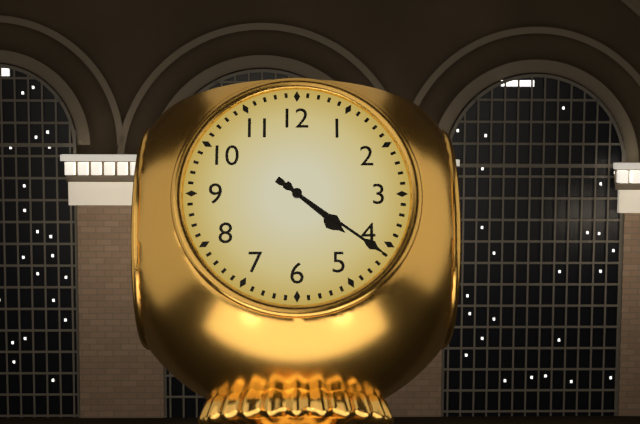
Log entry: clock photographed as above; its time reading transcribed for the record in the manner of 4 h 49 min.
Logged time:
4 h 21 min
